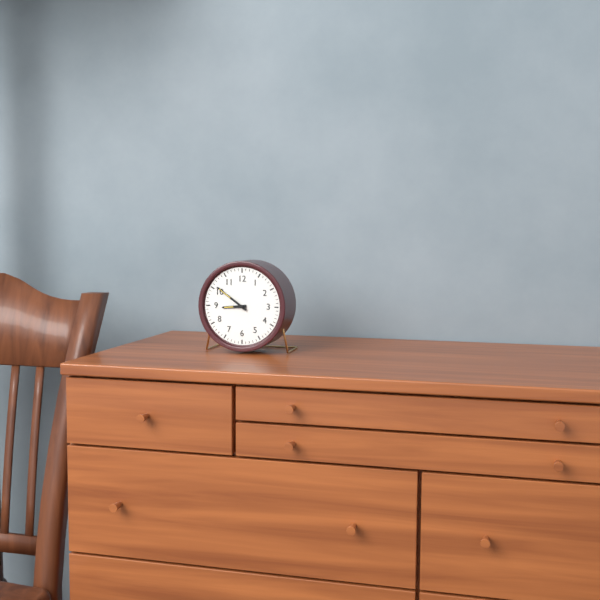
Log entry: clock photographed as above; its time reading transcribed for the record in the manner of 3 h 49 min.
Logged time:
8 h 51 min
